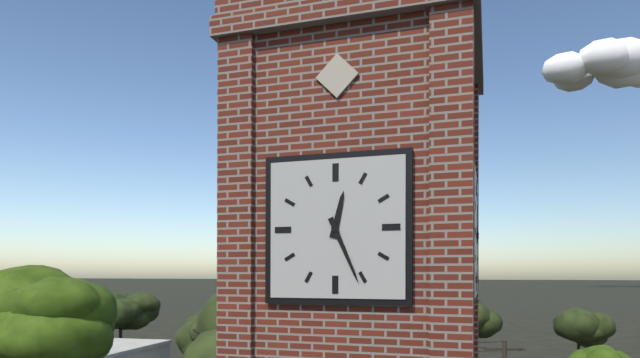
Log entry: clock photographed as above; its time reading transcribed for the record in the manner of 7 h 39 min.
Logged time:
12 h 26 min
